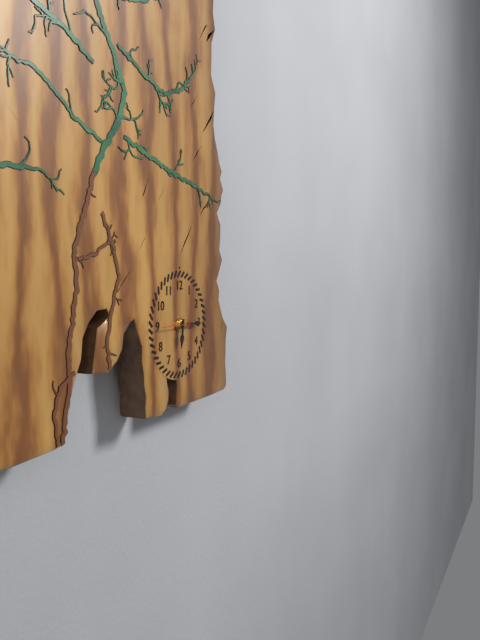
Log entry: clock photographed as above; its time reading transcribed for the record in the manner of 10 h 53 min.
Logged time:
6 h 15 min
